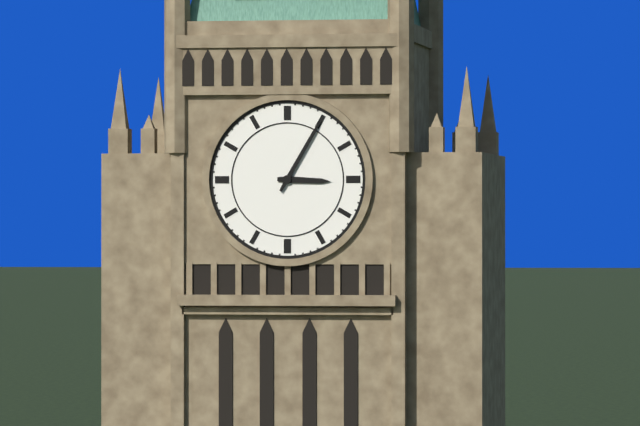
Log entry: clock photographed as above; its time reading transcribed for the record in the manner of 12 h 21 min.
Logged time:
3 h 05 min
